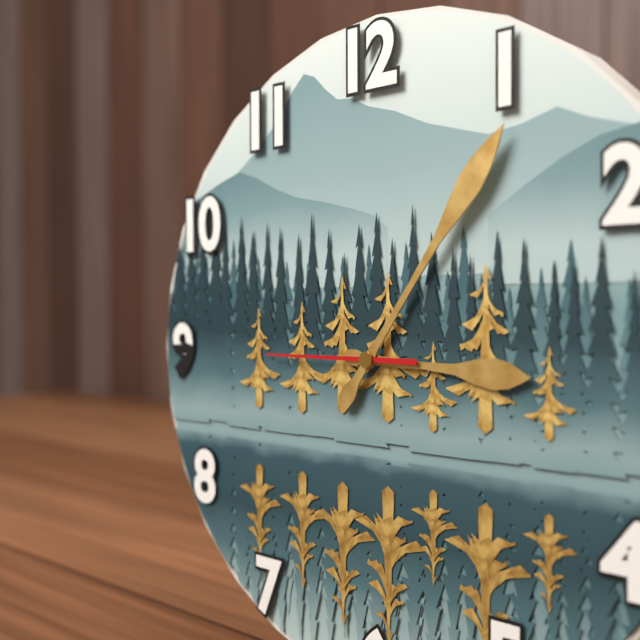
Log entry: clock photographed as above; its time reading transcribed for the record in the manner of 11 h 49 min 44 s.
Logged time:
3 h 06 min 45 s
